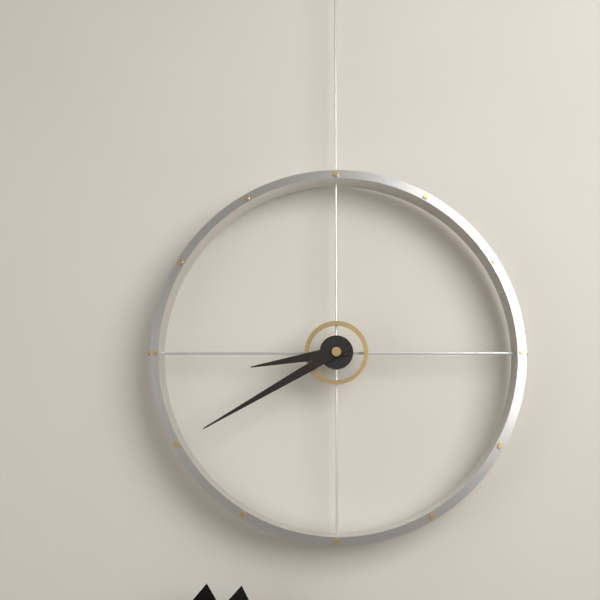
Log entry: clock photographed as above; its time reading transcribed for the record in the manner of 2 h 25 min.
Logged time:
8 h 40 min
